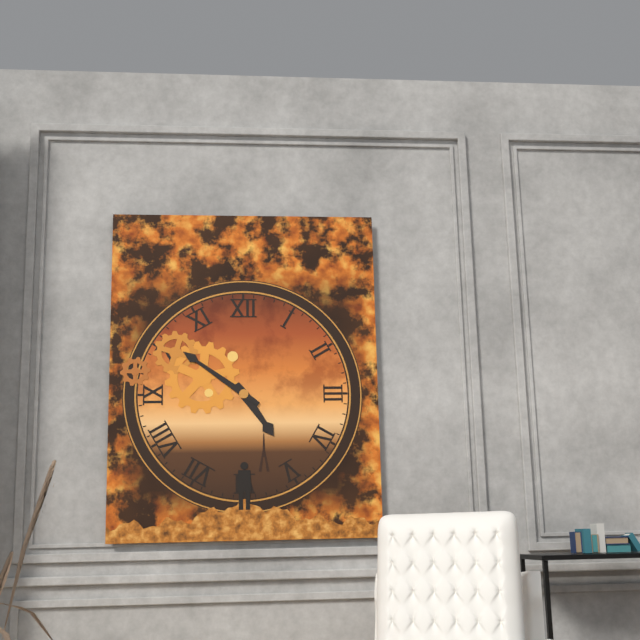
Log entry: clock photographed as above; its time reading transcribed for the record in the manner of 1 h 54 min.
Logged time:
4 h 51 min
